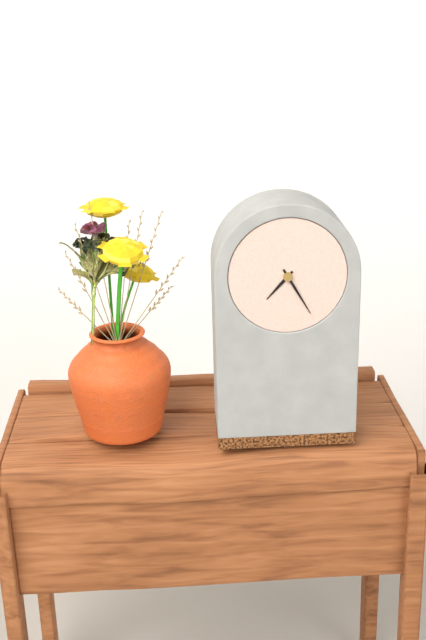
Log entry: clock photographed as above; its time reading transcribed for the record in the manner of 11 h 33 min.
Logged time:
7 h 25 min
